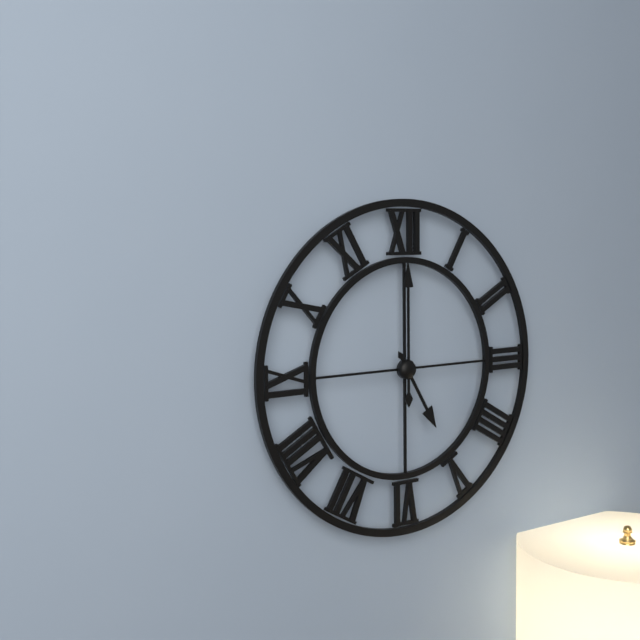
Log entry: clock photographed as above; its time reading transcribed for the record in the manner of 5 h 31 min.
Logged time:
5 h 00 min
